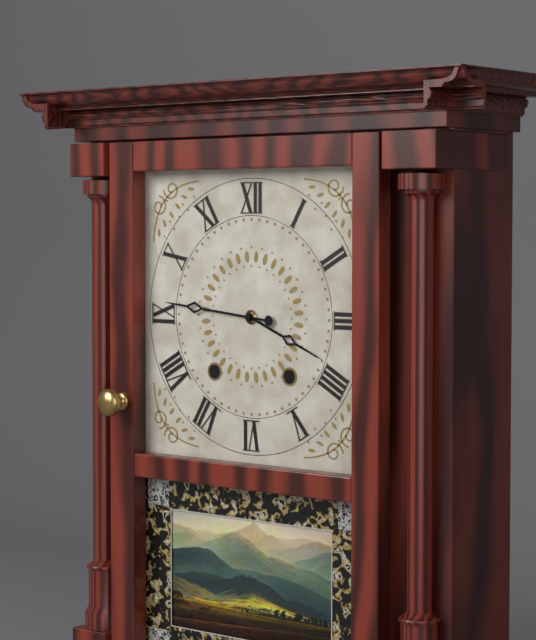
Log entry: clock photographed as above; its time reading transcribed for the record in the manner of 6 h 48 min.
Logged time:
3 h 46 min
